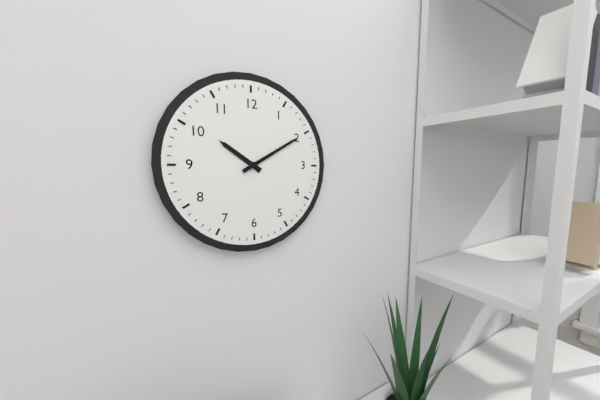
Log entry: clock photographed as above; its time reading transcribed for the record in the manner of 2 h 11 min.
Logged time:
10 h 10 min
